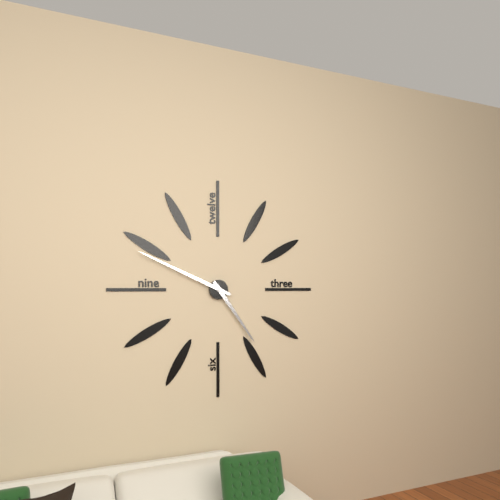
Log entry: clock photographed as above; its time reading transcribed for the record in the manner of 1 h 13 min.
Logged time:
4 h 49 min
